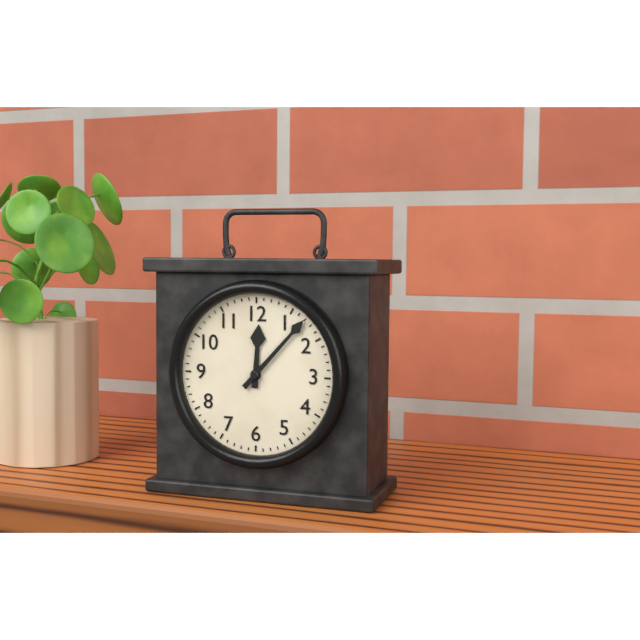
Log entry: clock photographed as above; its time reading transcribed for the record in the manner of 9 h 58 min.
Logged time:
12 h 07 min
